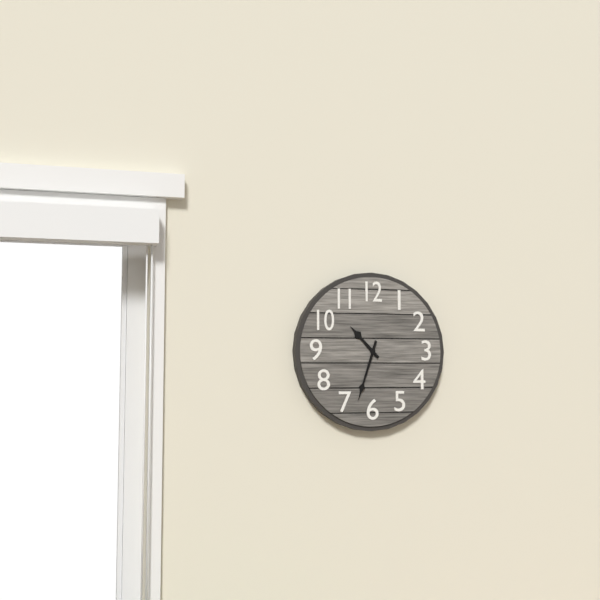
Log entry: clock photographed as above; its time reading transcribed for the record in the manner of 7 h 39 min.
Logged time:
10 h 33 min
